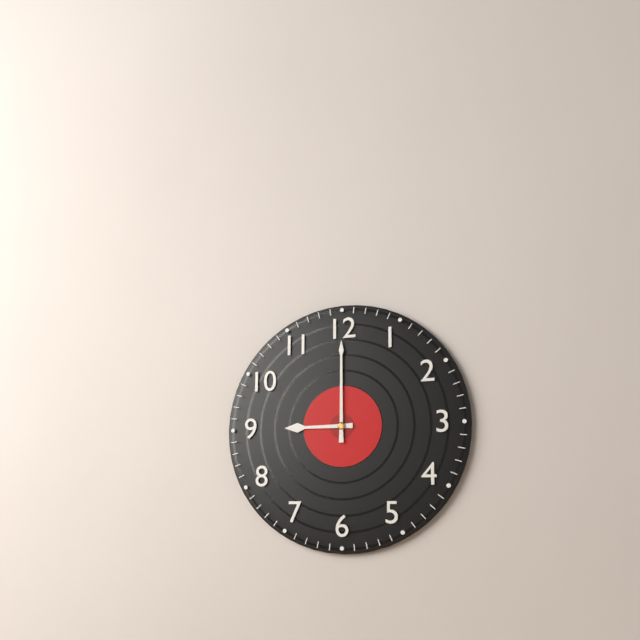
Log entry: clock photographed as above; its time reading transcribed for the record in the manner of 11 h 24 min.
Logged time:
9 h 00 min
